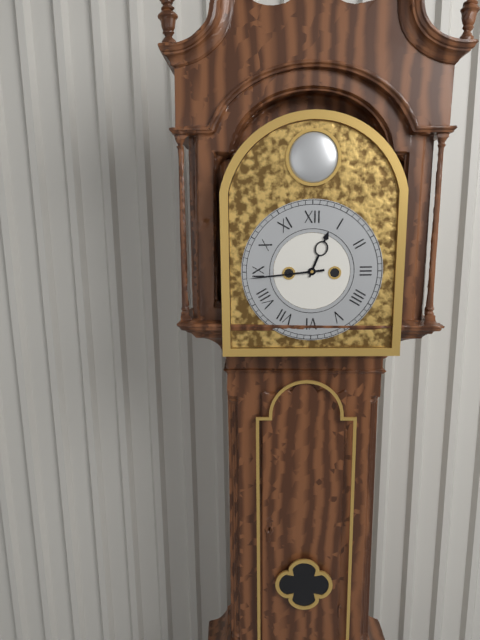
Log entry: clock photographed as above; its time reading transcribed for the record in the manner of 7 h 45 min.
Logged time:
12 h 44 min
